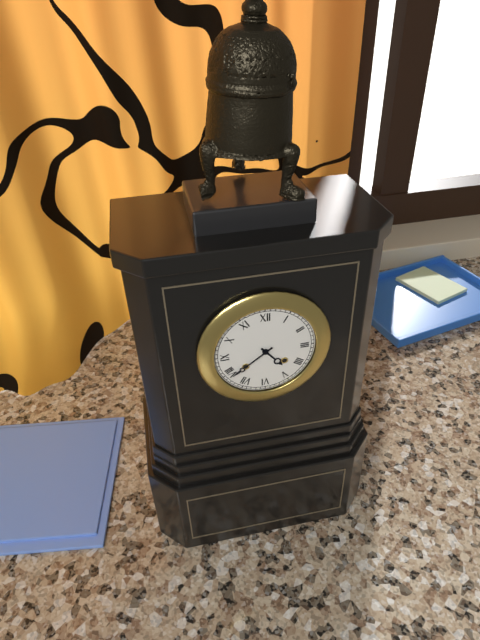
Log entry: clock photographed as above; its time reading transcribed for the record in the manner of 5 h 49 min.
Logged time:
4 h 39 min
